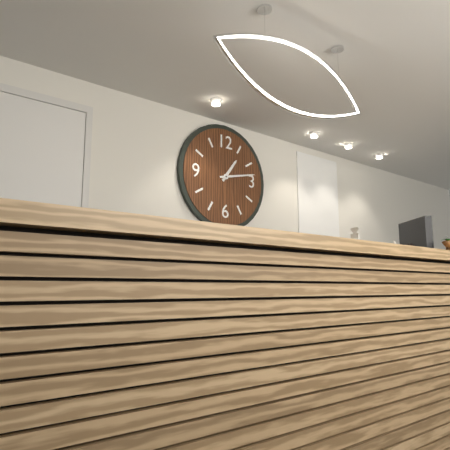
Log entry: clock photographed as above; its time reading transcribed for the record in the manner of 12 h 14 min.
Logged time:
1 h 13 min
